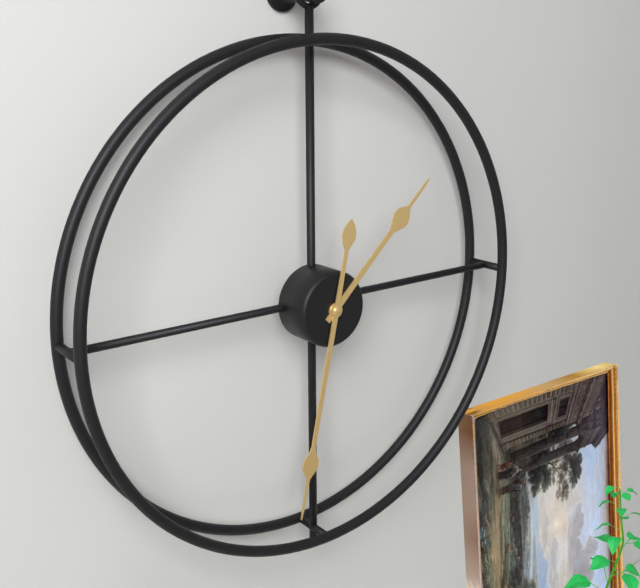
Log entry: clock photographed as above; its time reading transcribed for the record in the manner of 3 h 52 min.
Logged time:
1 h 32 min
